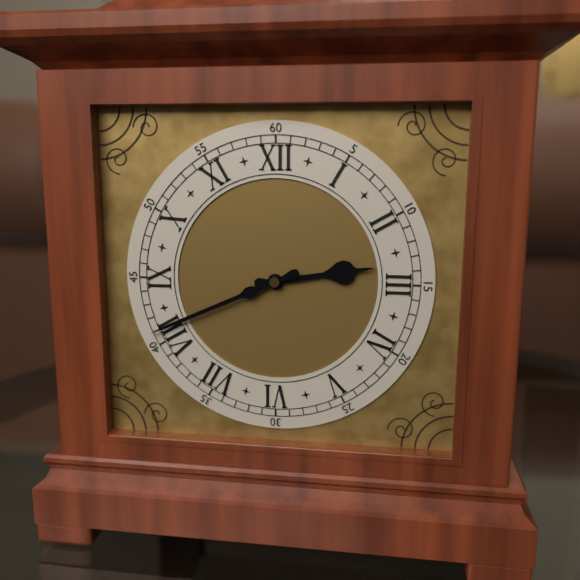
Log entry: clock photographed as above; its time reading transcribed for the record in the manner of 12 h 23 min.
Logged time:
2 h 41 min
